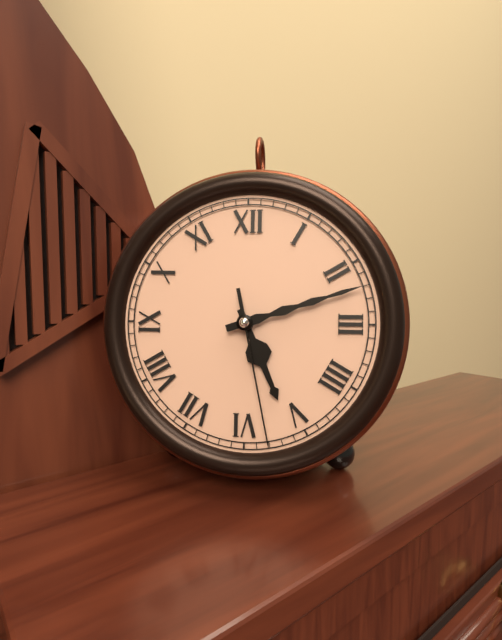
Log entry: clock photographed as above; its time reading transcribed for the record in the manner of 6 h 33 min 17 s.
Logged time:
5 h 12 min 28 s
